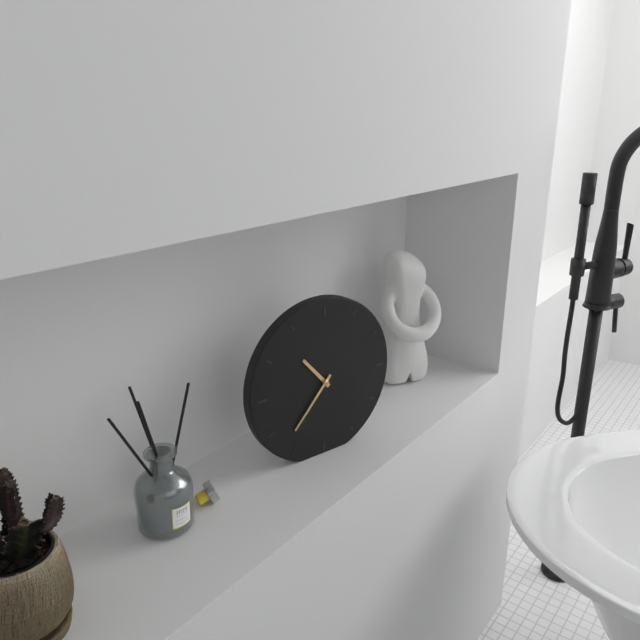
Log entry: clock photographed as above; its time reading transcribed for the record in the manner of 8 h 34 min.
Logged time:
10 h 37 min
